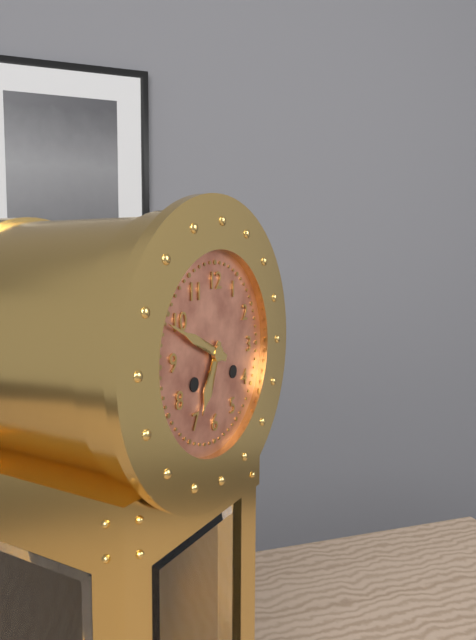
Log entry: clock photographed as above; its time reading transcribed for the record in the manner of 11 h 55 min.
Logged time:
6 h 49 min
